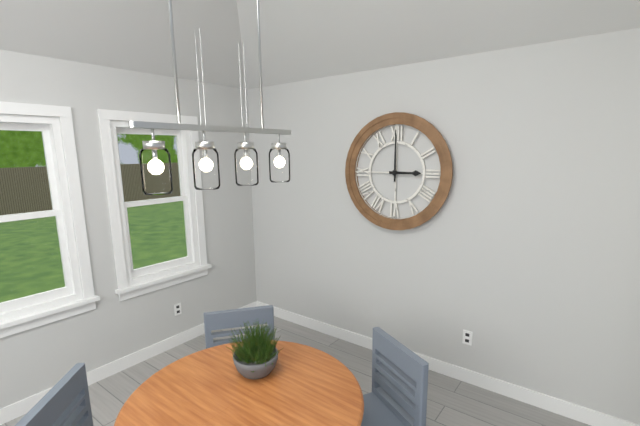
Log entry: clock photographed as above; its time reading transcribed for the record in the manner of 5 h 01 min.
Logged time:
3 h 00 min
